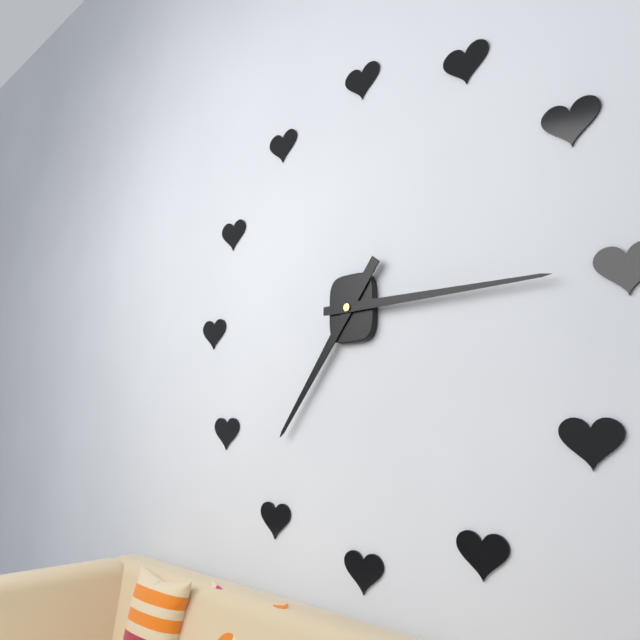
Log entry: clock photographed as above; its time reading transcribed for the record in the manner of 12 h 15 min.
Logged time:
7 h 15 min
